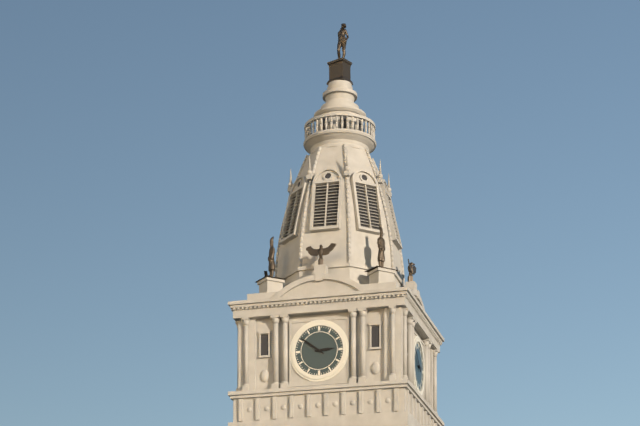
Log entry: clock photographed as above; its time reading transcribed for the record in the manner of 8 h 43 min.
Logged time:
2 h 51 min
